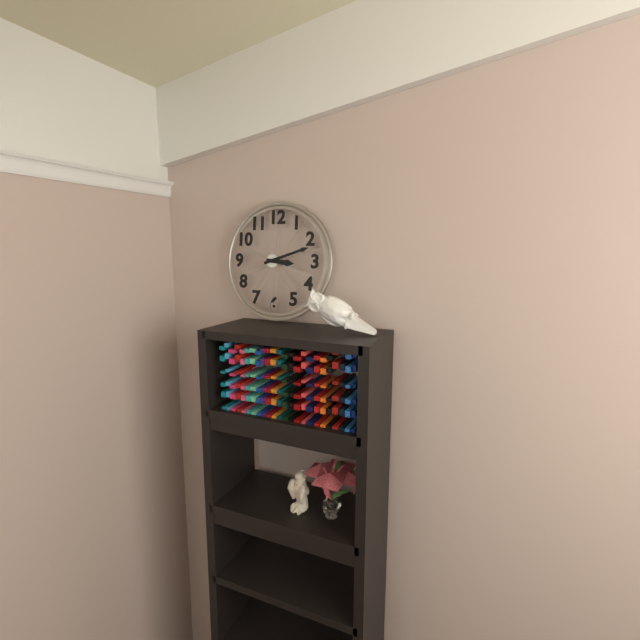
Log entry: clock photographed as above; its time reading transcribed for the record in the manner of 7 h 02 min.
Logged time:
3 h 12 min
